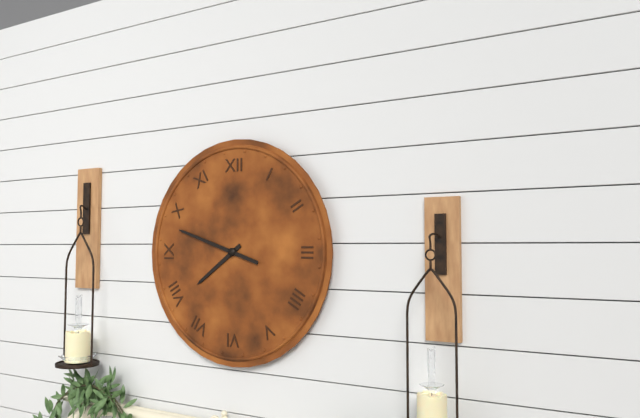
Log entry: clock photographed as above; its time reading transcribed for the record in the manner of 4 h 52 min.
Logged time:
7 h 48 min
